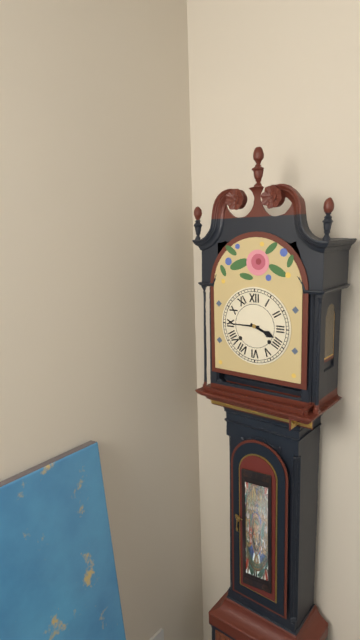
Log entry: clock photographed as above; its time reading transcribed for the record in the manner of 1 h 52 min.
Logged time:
3 h 45 min
